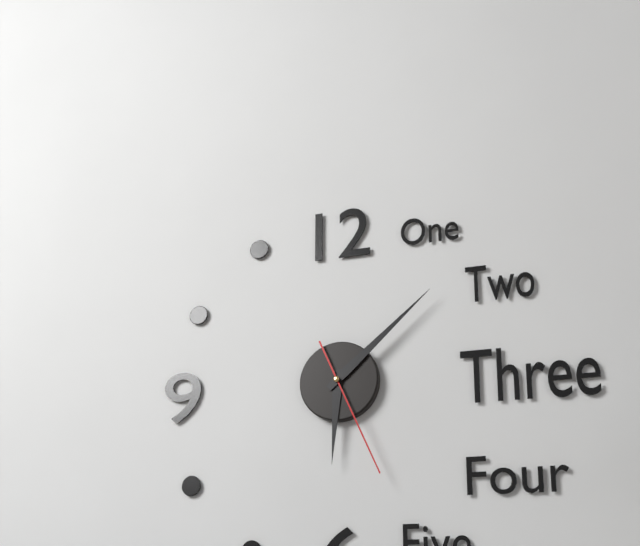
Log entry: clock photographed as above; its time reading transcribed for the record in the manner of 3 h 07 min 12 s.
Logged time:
6 h 08 min 26 s
